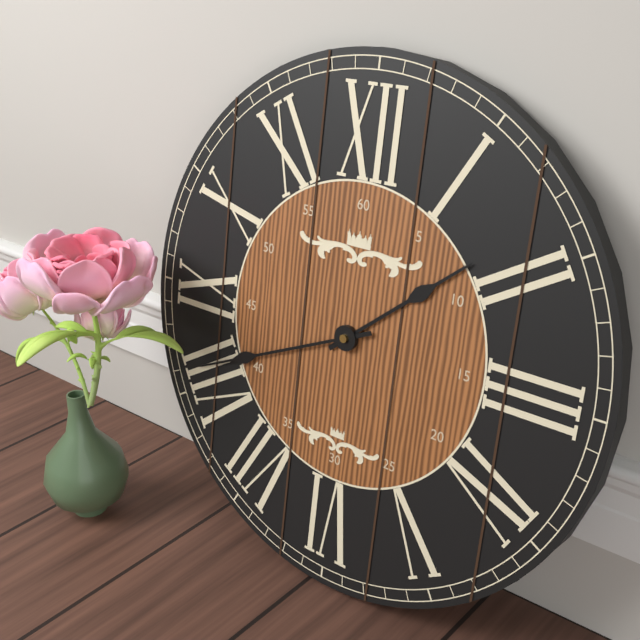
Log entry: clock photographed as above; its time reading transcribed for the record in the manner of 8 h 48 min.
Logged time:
1 h 41 min
